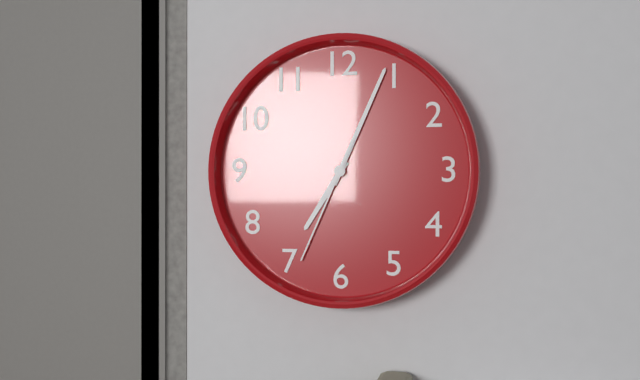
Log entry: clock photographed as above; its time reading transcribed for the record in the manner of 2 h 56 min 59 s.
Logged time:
7 h 04 min 34 s
